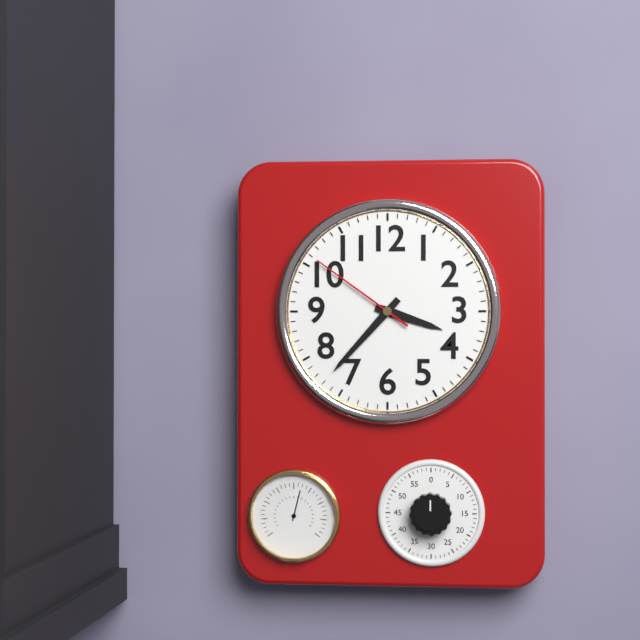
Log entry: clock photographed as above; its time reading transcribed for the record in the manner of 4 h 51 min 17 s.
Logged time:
3 h 37 min 51 s
